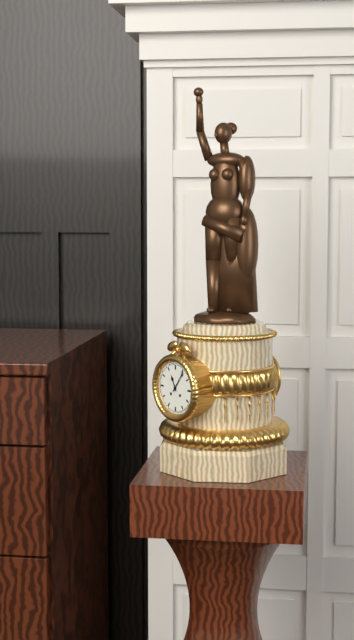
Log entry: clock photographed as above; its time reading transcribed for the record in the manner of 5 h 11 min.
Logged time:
11 h 06 min
